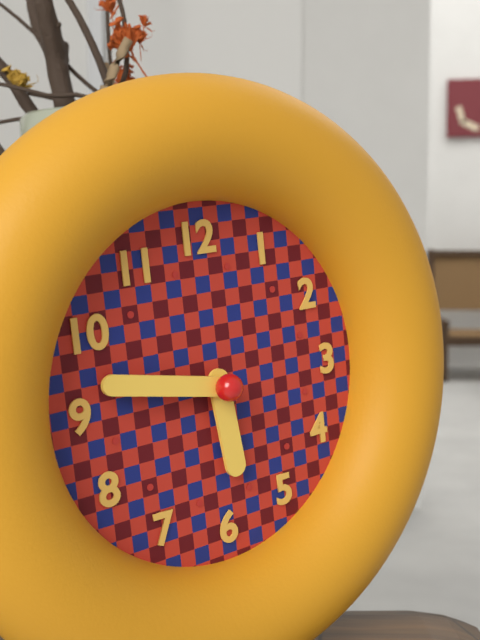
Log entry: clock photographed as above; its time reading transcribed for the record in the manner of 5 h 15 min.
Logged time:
5 h 47 min
